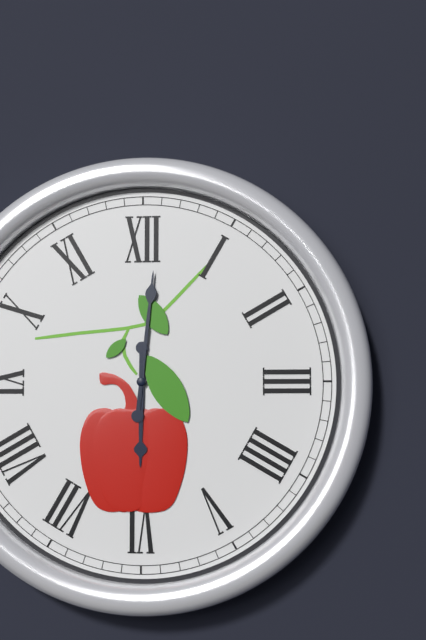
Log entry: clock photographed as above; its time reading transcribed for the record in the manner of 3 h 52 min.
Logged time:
6 h 01 min
